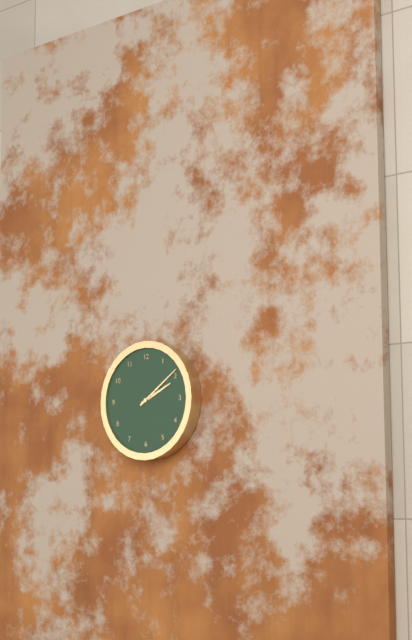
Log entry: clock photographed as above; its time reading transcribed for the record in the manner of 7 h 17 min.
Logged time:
2 h 09 min
